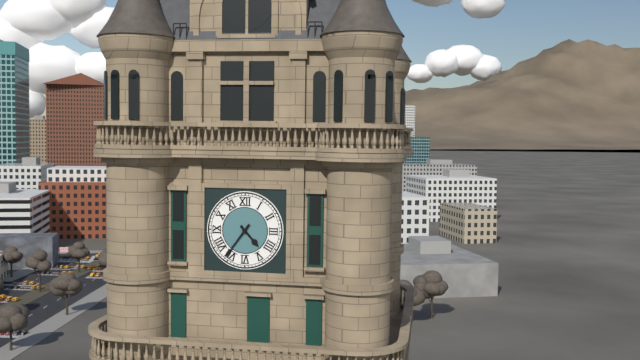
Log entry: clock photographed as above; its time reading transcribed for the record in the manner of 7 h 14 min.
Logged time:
4 h 36 min
